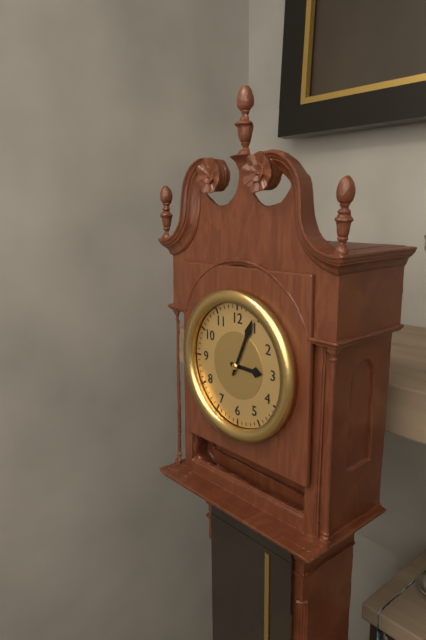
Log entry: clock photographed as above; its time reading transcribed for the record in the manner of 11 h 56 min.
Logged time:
3 h 04 min
